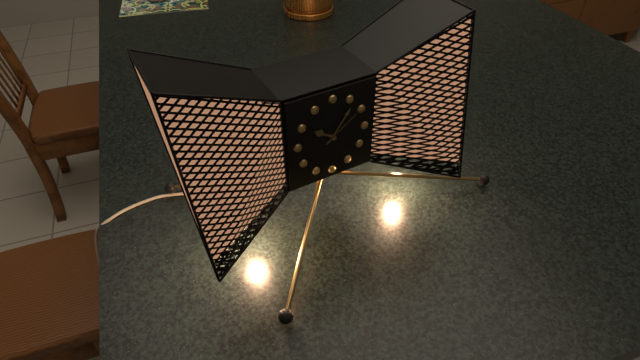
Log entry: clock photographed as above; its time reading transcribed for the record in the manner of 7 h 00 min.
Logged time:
10 h 06 min
